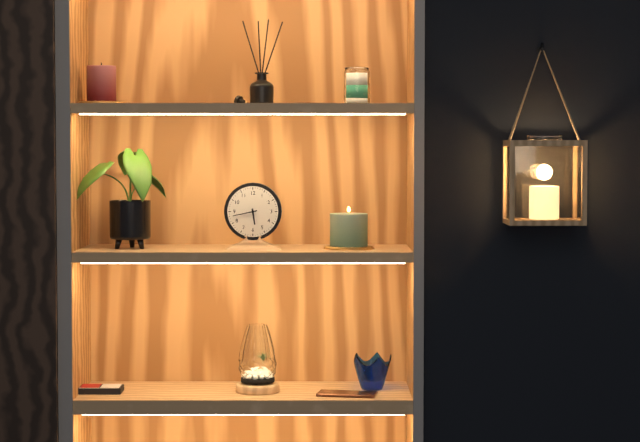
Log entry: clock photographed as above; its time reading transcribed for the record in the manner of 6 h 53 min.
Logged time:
5 h 43 min
